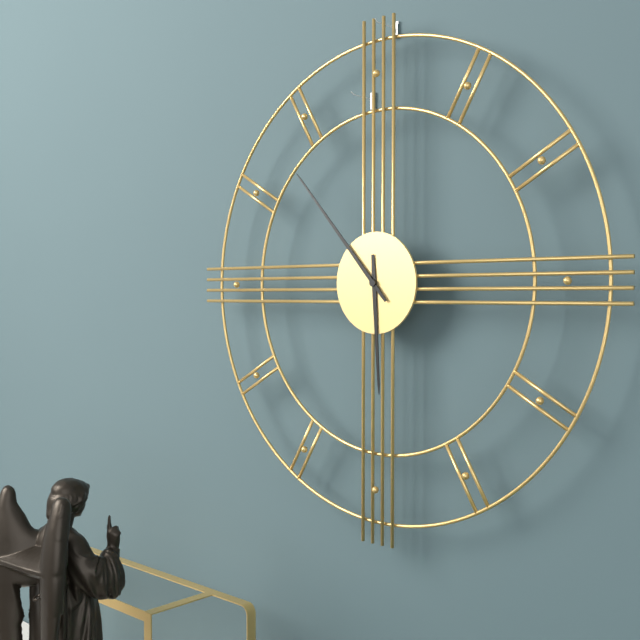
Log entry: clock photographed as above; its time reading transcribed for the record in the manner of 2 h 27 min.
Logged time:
5 h 53 min
